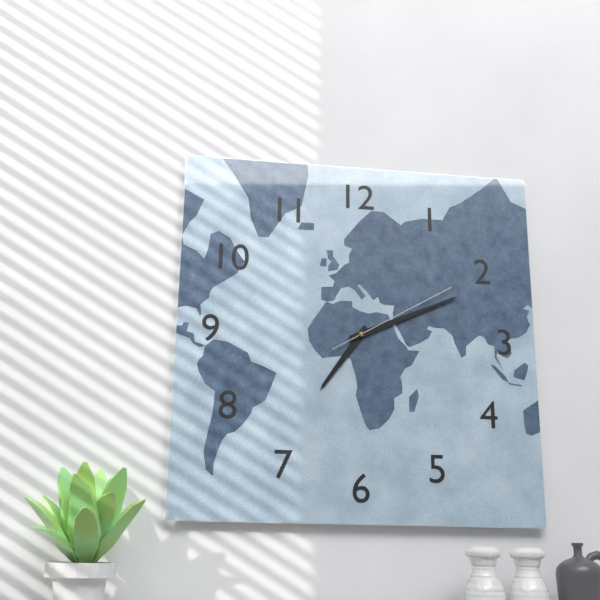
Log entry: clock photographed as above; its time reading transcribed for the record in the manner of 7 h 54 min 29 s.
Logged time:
7 h 11 min 10 s
